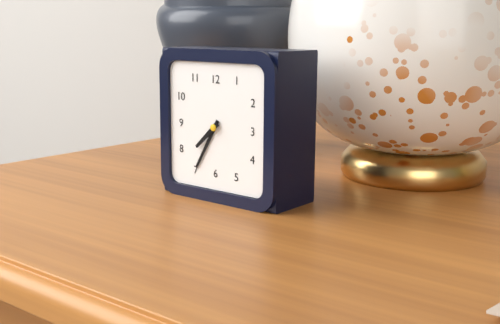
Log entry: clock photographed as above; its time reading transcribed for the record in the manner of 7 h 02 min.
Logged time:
7 h 35 min
